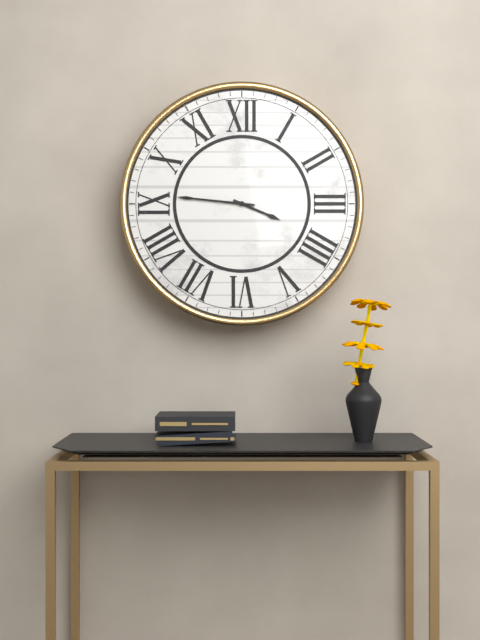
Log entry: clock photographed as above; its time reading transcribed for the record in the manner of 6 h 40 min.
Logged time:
3 h 46 min
